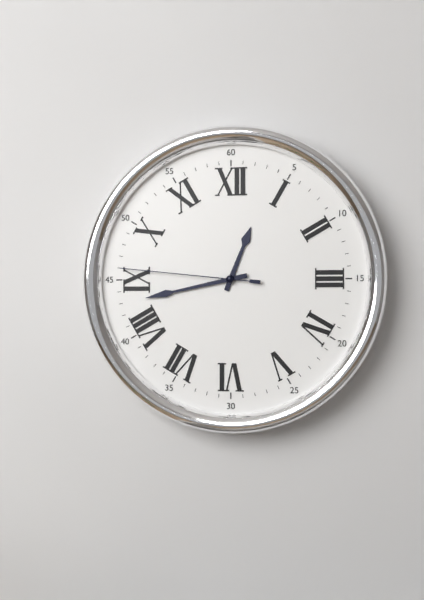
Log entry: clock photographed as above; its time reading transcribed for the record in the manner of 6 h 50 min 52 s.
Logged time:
12 h 43 min 46 s
